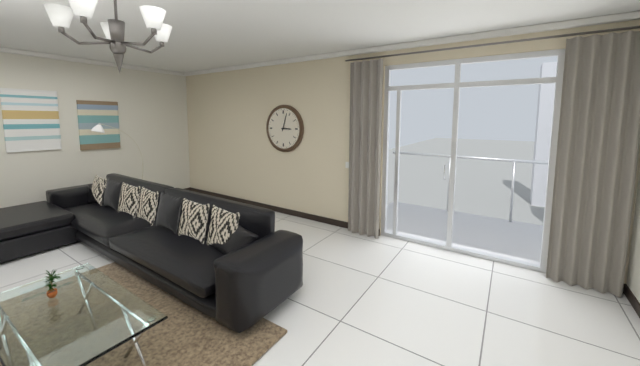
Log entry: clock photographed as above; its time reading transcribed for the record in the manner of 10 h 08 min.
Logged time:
3 h 03 min
